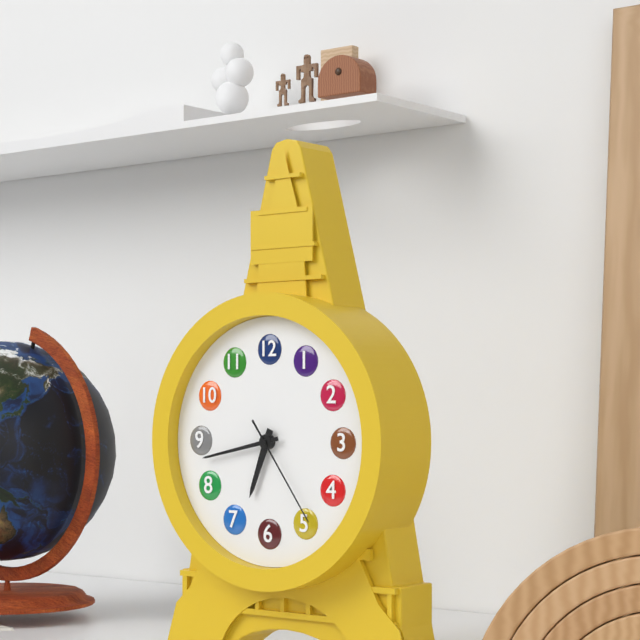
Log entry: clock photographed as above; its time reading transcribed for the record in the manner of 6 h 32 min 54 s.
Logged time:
6 h 43 min 24 s
